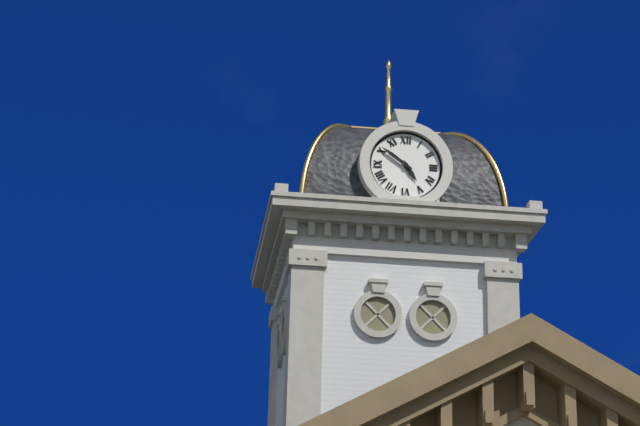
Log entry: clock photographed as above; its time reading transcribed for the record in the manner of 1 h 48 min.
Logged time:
4 h 51 min
